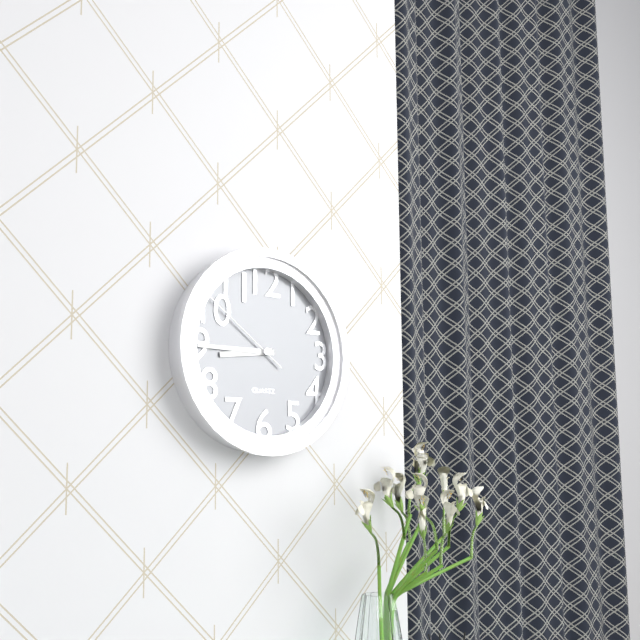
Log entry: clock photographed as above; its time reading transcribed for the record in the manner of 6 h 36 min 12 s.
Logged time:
8 h 45 min 51 s
